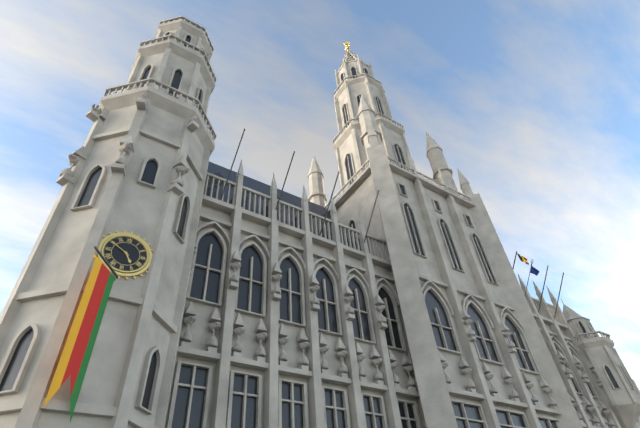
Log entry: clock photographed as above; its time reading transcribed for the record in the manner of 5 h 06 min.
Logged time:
4 h 50 min
